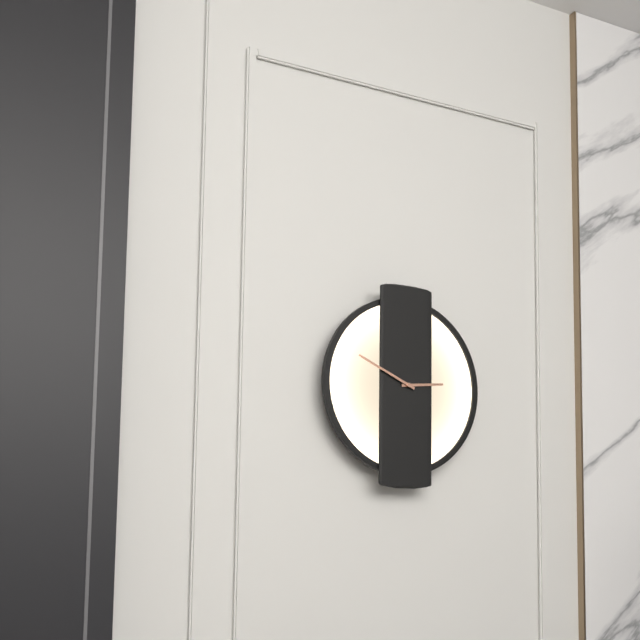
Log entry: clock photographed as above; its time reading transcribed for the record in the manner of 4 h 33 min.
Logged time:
2 h 49 min
